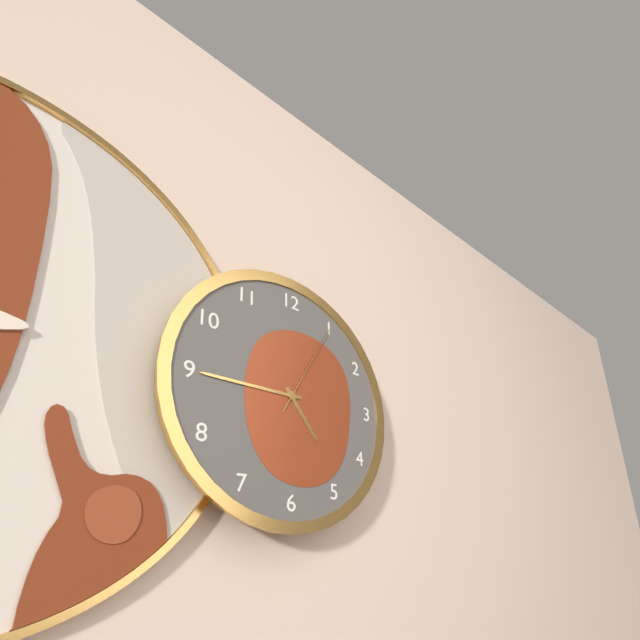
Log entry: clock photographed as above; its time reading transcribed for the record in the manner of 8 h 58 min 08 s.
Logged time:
4 h 45 min 05 s
